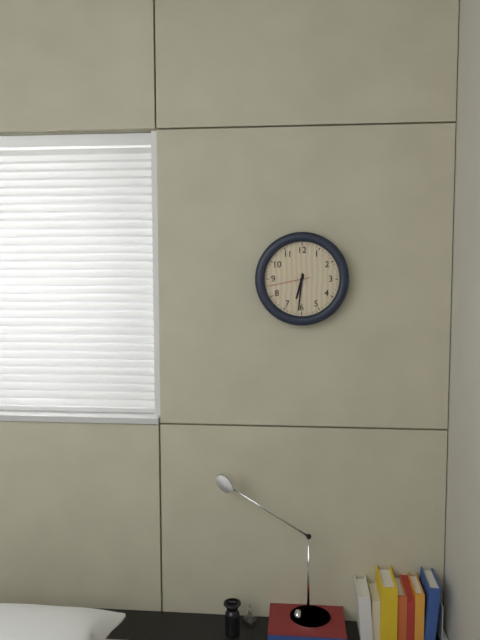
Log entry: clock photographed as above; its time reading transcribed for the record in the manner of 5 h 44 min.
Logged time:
6 h 31 min
